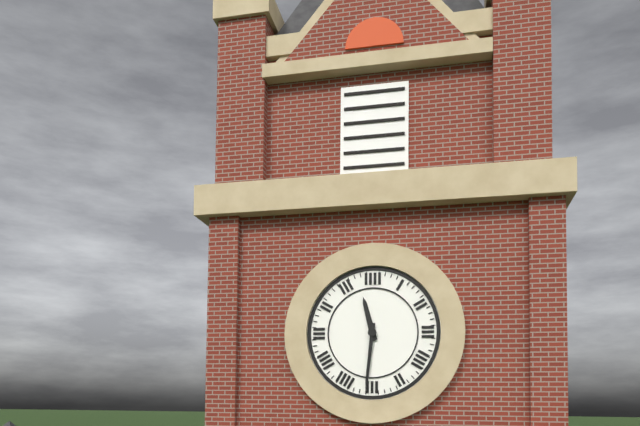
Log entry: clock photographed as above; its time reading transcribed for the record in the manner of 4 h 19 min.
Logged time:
11 h 31 min
